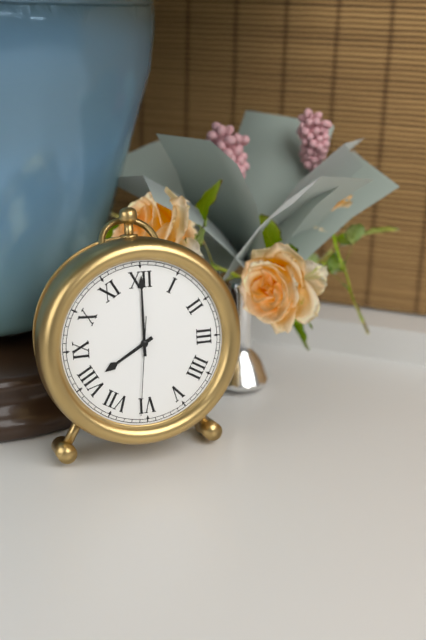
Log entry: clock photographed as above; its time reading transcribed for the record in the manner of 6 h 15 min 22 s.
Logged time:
8 h 00 min 31 s
